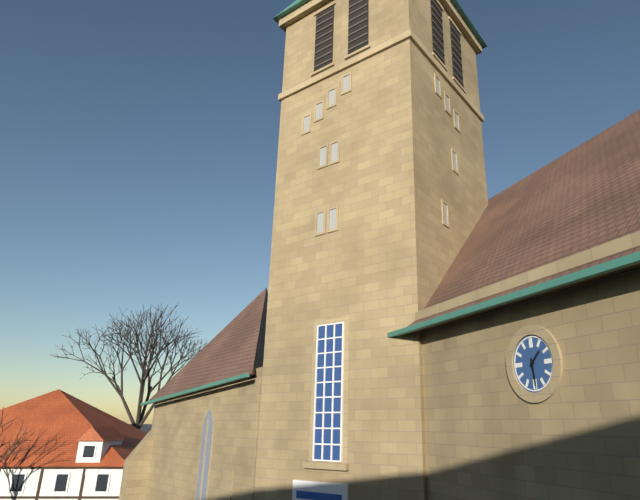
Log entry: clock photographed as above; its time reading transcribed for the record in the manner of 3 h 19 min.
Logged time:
1 h 29 min
